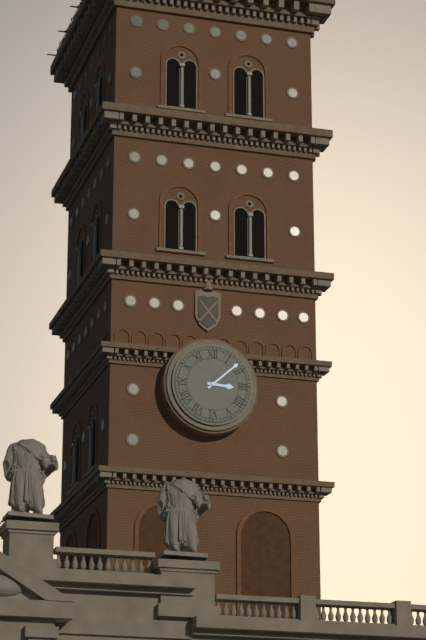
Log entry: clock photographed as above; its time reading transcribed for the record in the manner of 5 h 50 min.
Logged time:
3 h 08 min
